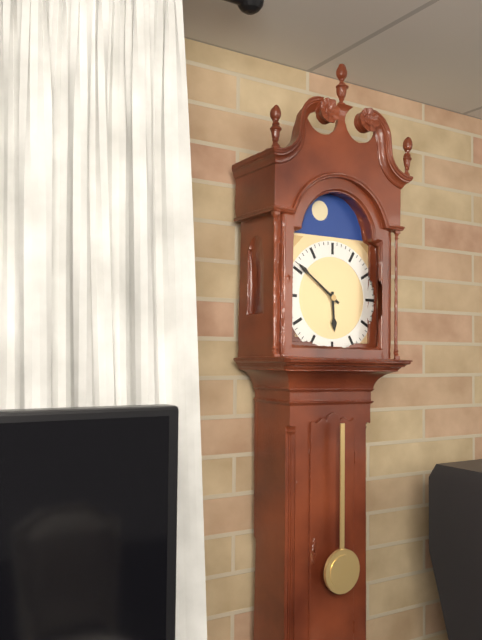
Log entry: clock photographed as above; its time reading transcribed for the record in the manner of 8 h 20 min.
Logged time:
5 h 51 min
